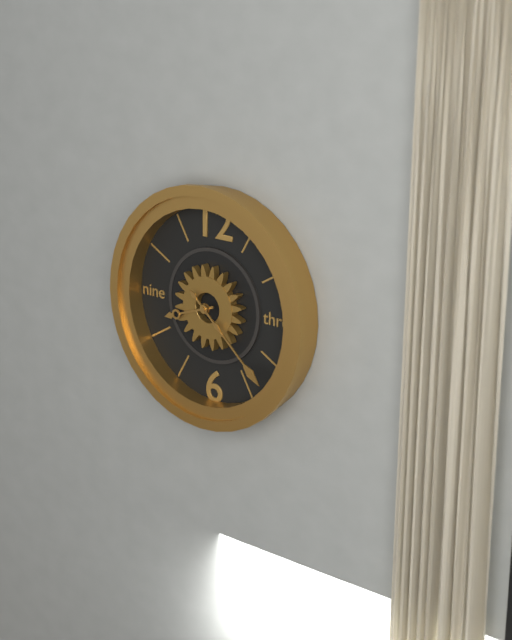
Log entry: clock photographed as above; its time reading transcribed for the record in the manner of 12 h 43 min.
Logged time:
8 h 22 min
